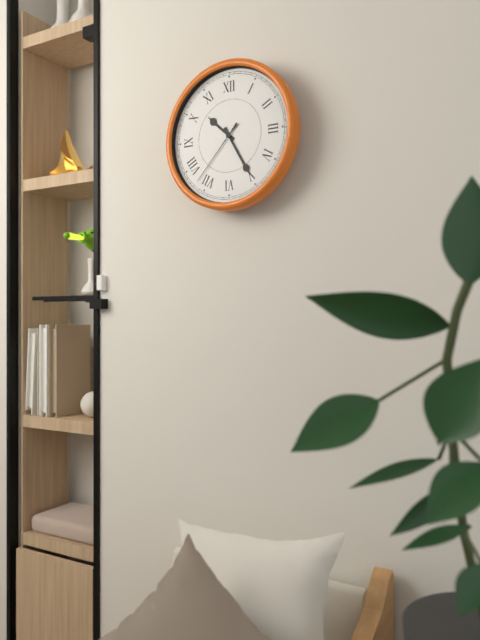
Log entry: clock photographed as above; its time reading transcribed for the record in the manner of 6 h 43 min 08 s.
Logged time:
10 h 25 min 37 s
